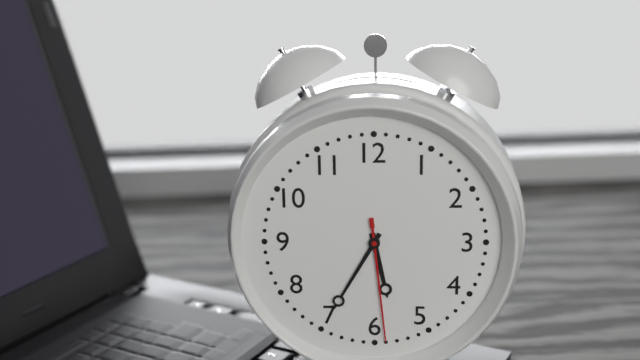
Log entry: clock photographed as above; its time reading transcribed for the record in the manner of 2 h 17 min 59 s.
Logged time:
5 h 35 min 29 s
